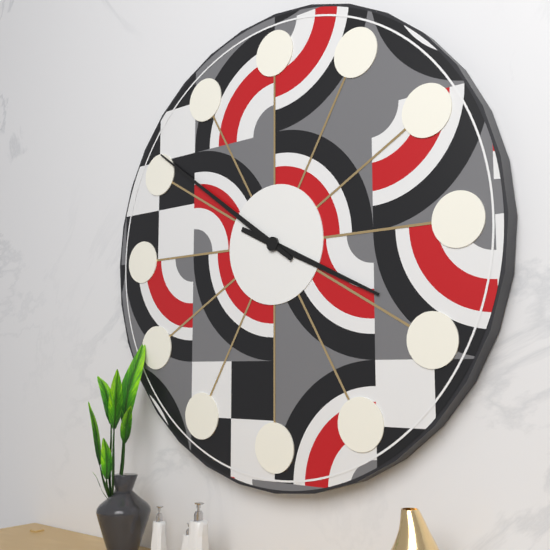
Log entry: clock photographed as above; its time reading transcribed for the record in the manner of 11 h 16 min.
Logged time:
3 h 51 min
